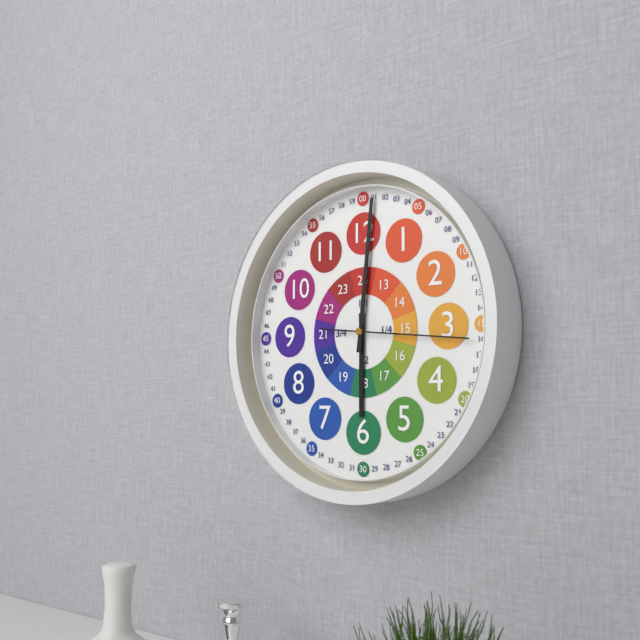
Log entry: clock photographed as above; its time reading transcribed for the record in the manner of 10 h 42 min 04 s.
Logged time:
6 h 01 min 16 s
